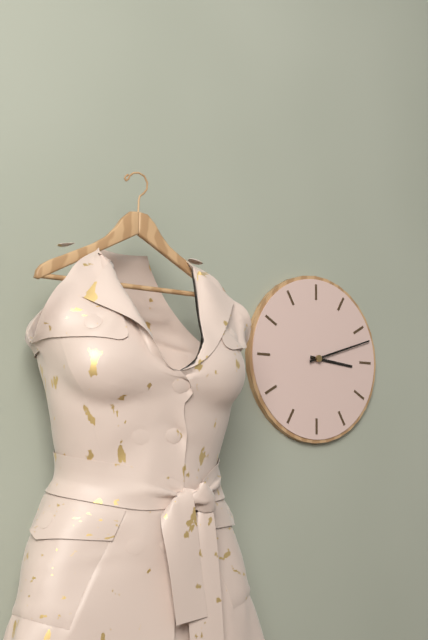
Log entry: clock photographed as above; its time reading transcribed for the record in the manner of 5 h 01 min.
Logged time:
3 h 12 min
